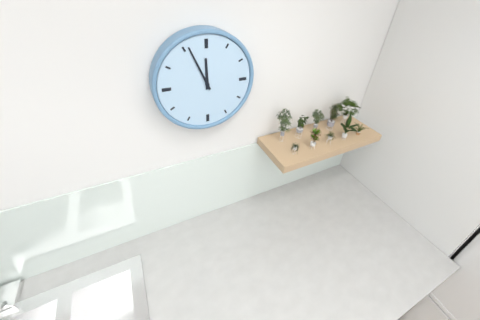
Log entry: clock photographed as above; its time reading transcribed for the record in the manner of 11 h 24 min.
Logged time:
11 h 56 min
